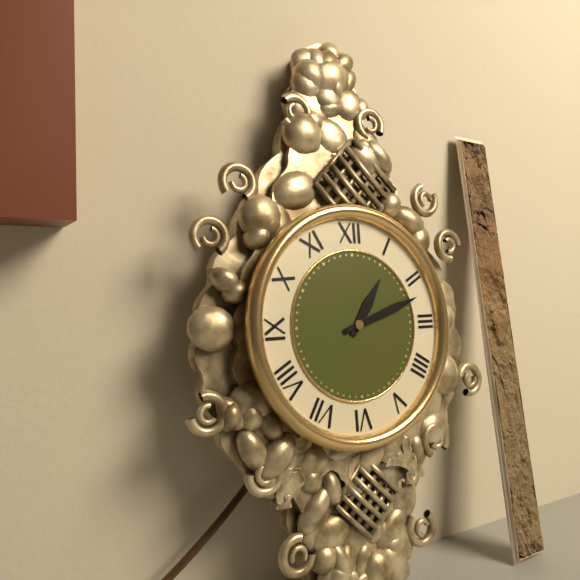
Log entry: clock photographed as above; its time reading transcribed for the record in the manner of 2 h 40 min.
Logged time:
1 h 12 min
